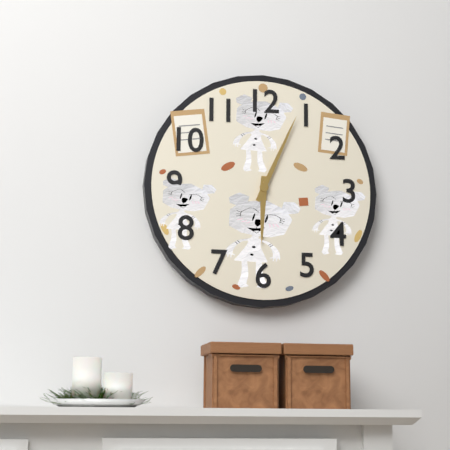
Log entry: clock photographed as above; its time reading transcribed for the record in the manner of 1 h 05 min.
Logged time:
6 h 04 min
